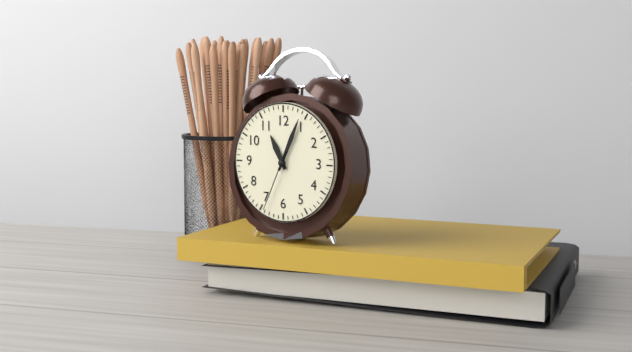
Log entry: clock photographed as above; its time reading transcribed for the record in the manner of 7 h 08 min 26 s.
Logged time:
11 h 04 min 34 s
